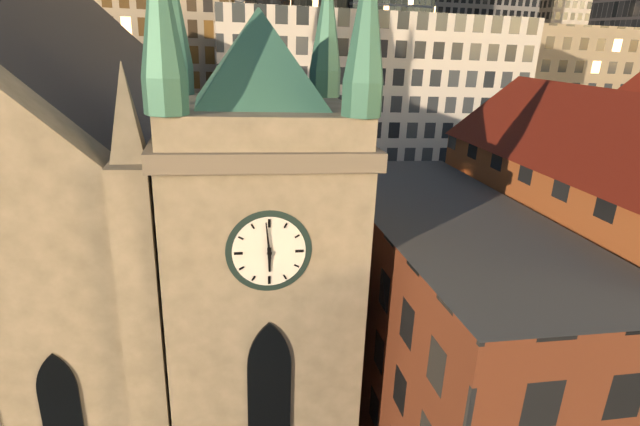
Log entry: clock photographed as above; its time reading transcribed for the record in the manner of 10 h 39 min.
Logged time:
5 h 59 min
